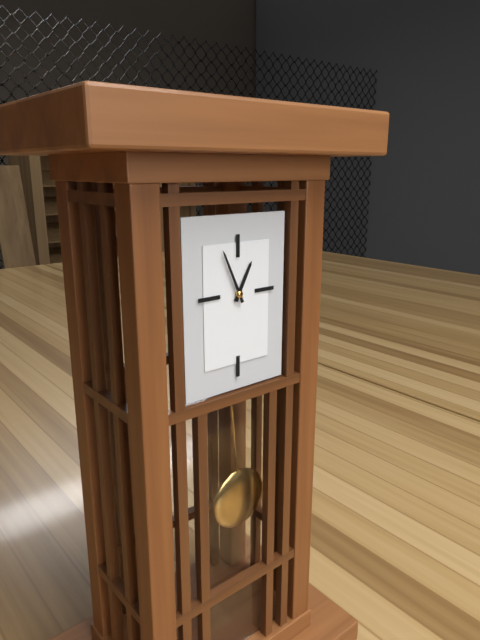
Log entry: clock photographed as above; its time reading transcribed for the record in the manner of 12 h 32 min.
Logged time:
12 h 56 min
